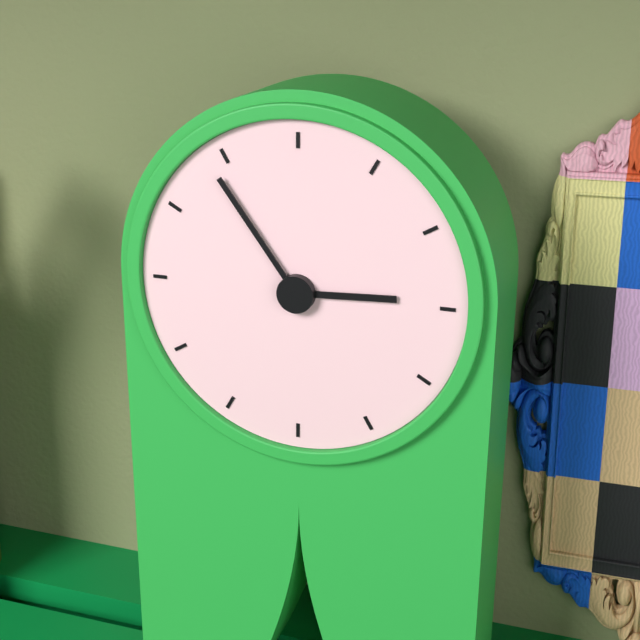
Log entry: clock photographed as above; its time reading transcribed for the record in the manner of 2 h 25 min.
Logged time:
2 h 54 min
